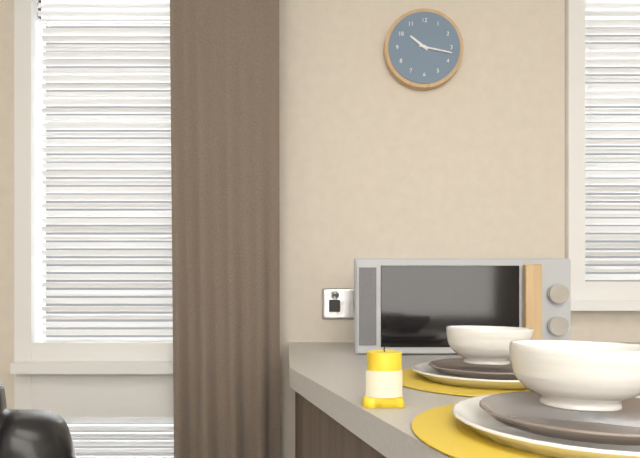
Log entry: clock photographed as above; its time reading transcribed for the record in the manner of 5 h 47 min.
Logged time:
10 h 17 min
